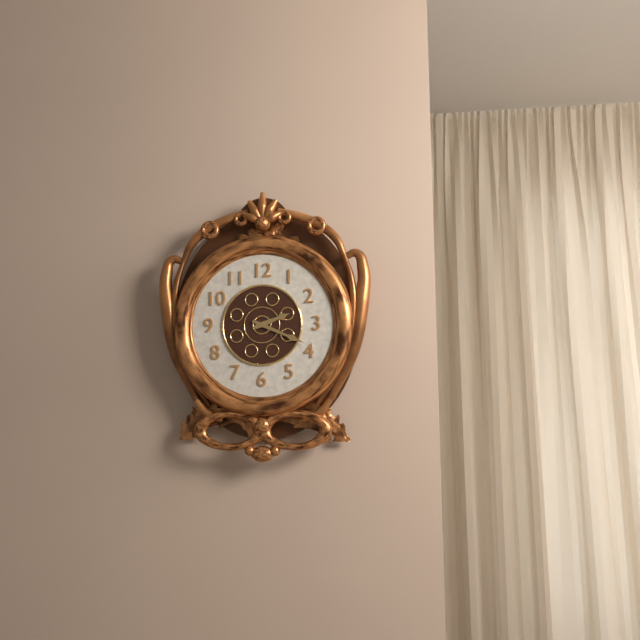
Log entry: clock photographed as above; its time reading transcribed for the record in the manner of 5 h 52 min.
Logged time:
2 h 19 min
